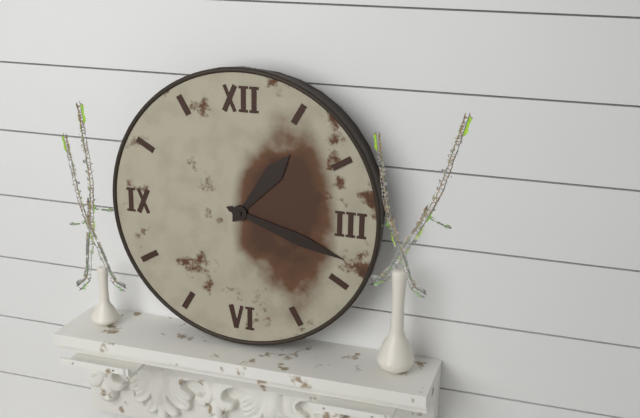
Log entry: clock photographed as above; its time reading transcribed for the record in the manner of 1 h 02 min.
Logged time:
1 h 18 min
